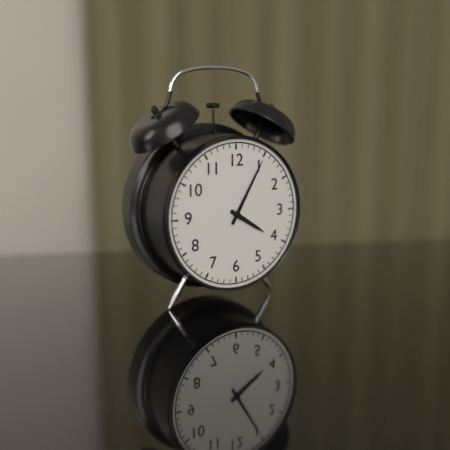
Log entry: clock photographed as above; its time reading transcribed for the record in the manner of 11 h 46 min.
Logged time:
4 h 05 min
